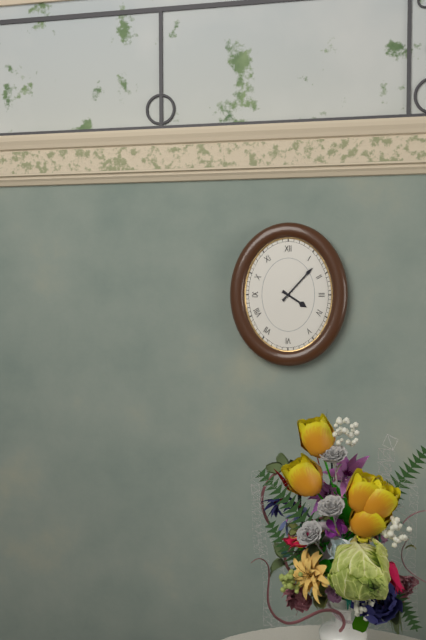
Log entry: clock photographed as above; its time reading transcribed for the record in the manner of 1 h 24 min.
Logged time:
4 h 07 min
